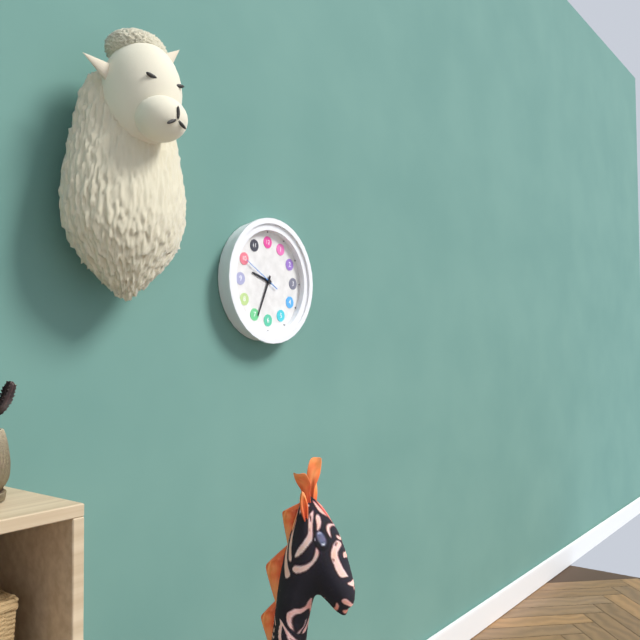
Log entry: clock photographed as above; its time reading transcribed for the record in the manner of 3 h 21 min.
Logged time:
9 h 34 min
